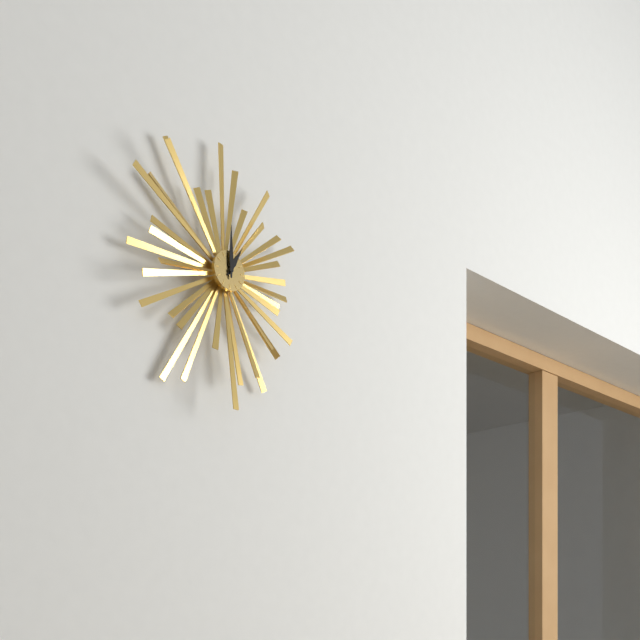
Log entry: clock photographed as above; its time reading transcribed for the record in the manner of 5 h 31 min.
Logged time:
1 h 00 min
